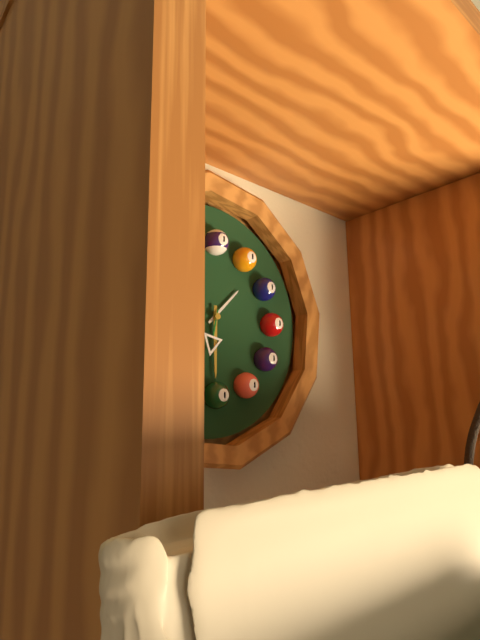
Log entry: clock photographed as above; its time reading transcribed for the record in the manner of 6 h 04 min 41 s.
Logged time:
1 h 30 min 32 s
